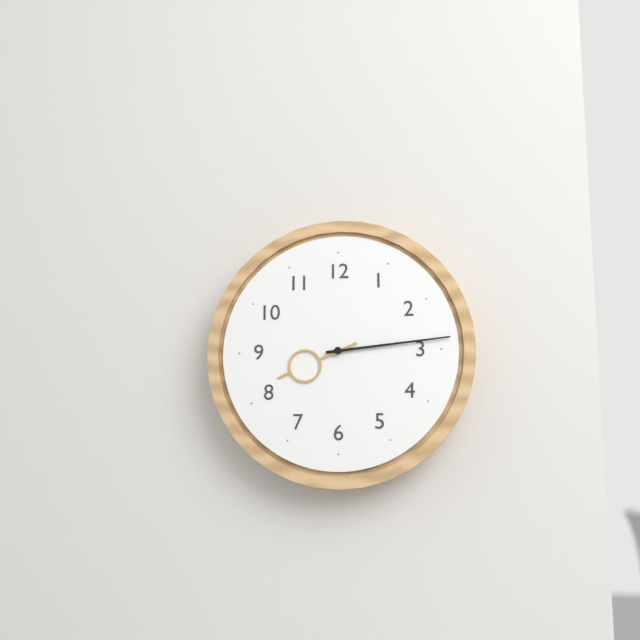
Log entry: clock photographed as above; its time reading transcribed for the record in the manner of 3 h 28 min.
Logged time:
8 h 14 min
